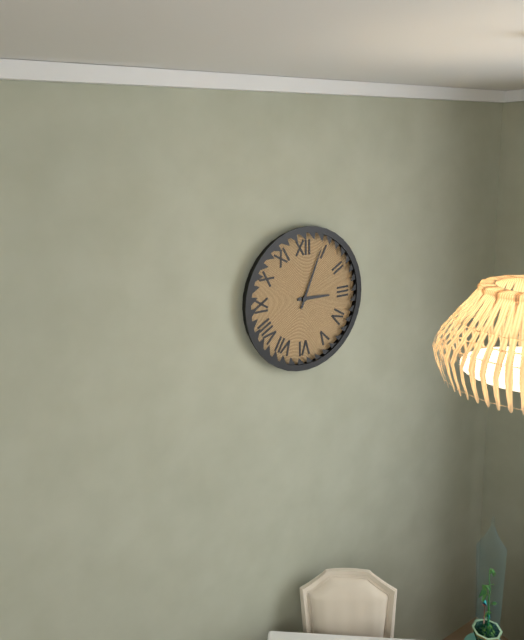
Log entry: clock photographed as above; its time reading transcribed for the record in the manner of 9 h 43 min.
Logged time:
3 h 04 min
